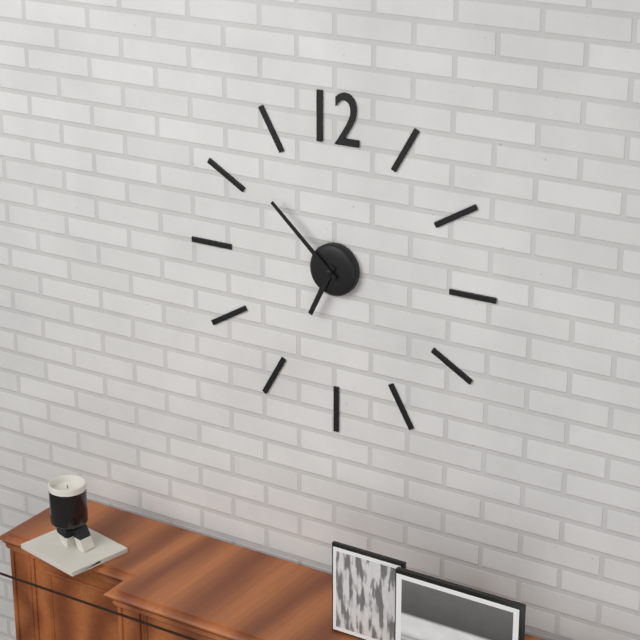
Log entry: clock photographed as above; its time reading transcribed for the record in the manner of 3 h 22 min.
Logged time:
6 h 52 min
